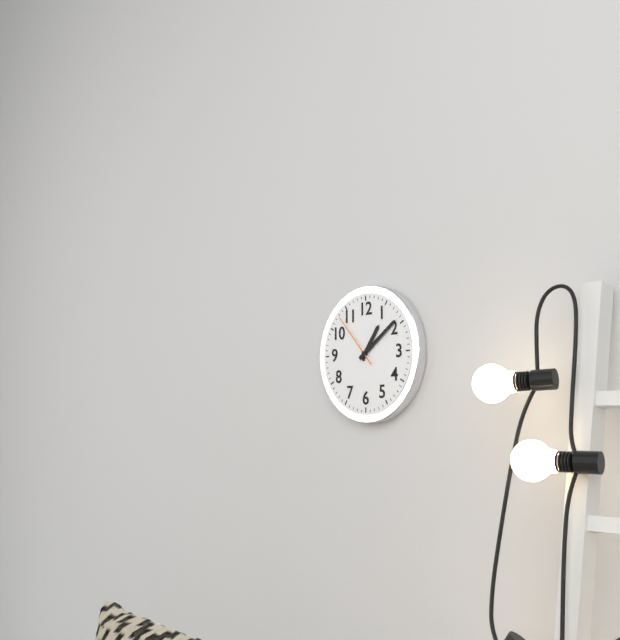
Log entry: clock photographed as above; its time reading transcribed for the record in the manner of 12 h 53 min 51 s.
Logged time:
1 h 09 min 53 s
